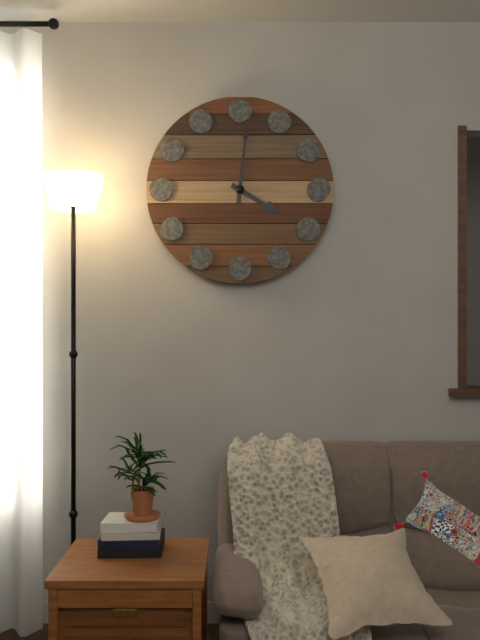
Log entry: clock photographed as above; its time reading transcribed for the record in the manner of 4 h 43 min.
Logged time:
4 h 01 min
